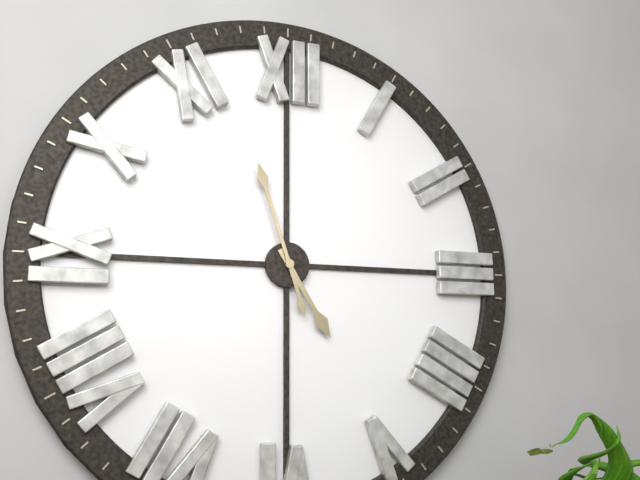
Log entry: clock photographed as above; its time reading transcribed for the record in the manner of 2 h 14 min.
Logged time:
4 h 57 min
